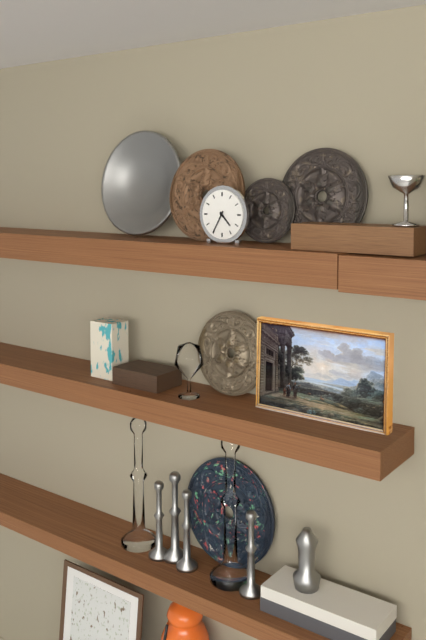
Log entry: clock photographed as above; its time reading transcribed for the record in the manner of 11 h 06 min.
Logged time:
4 h 35 min
